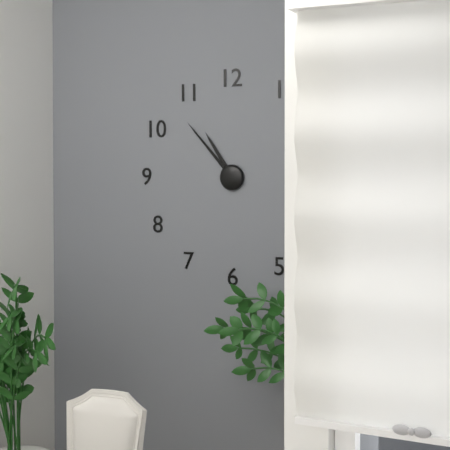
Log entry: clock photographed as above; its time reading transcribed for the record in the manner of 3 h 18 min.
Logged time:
10 h 53 min
